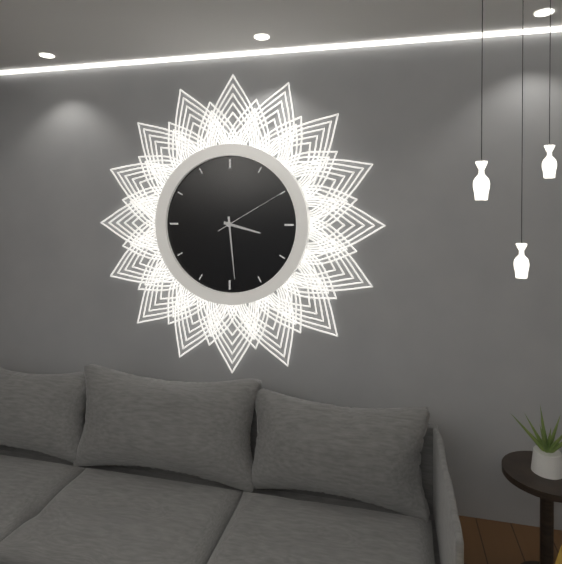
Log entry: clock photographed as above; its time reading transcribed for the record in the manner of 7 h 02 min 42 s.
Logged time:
3 h 29 min 10 s
